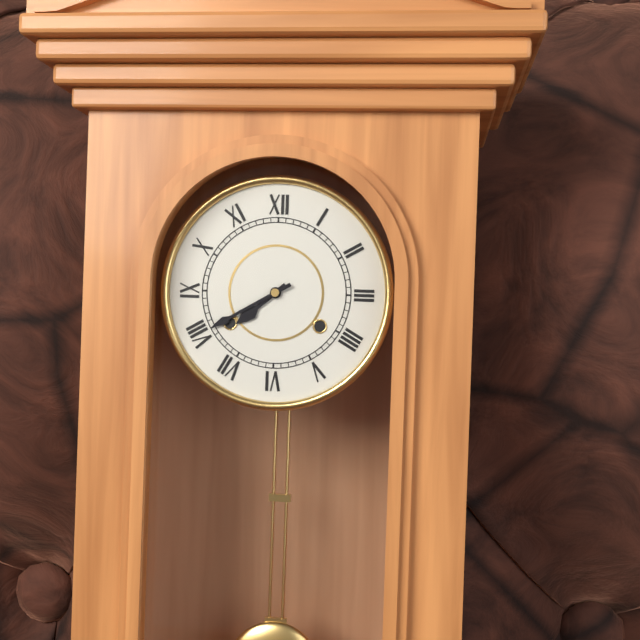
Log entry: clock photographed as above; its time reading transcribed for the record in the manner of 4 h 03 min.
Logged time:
7 h 40 min
